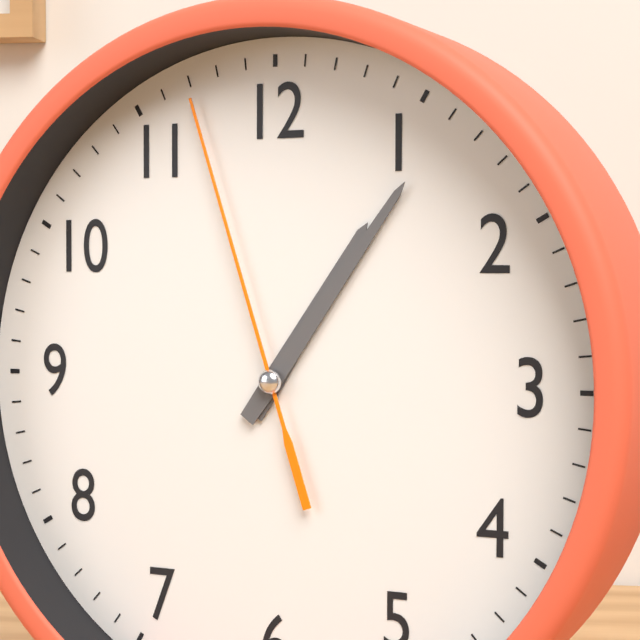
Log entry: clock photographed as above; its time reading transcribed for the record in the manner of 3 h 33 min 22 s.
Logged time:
1 h 06 min 57 s
